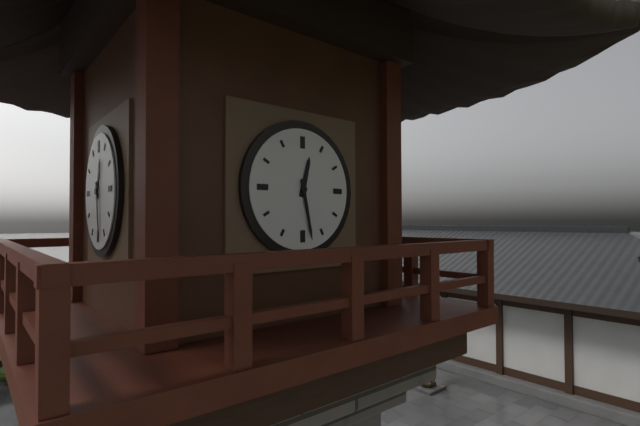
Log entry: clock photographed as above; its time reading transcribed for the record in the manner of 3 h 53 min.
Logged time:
12 h 28 min
